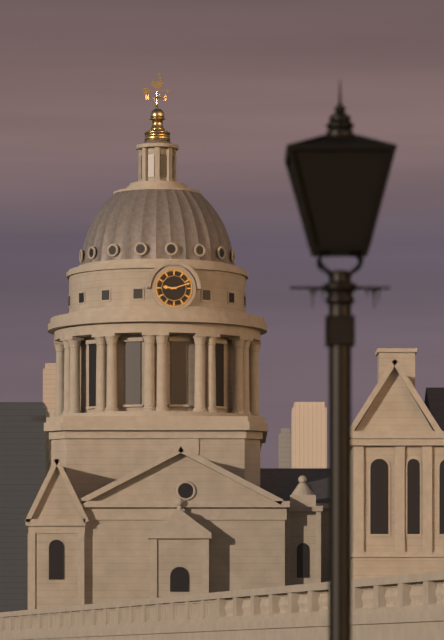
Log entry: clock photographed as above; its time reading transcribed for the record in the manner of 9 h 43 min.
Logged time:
9 h 12 min
